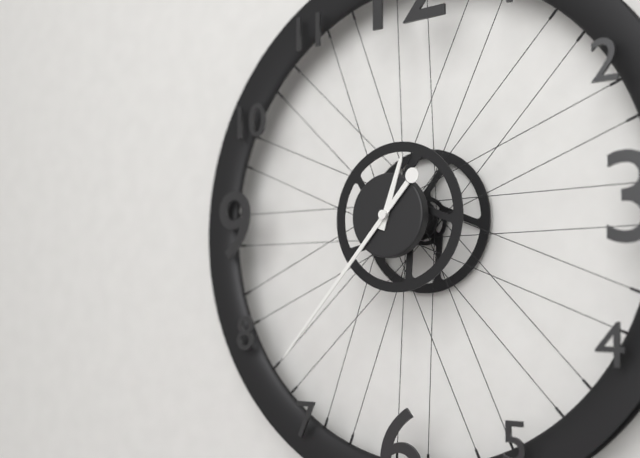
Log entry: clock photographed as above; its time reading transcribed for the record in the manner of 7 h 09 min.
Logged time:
12 h 37 min
